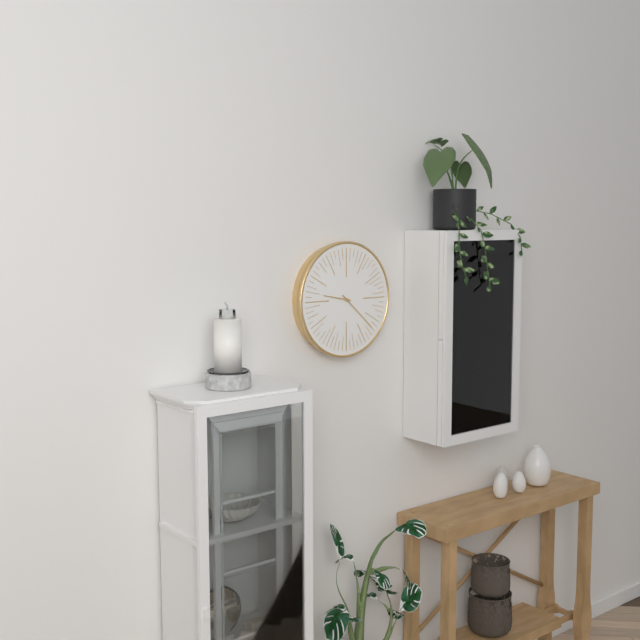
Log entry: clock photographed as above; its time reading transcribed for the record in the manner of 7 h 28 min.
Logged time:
9 h 22 min
